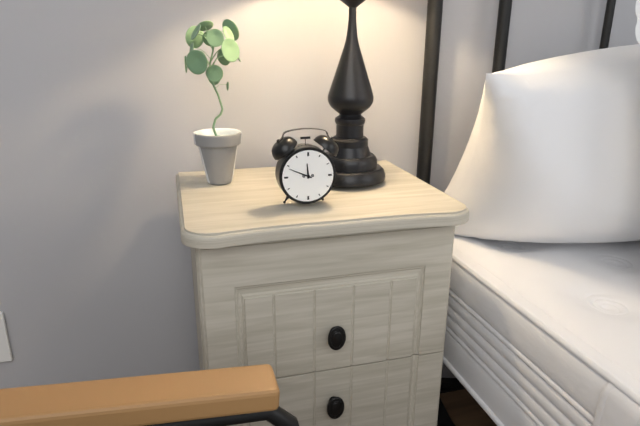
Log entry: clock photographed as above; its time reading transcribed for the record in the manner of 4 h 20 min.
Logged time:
11 h 49 min
